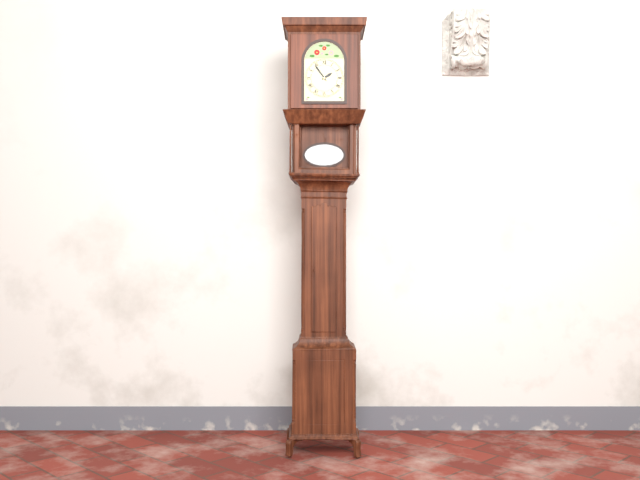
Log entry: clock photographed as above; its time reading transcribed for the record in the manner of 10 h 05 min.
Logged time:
1 h 54 min
